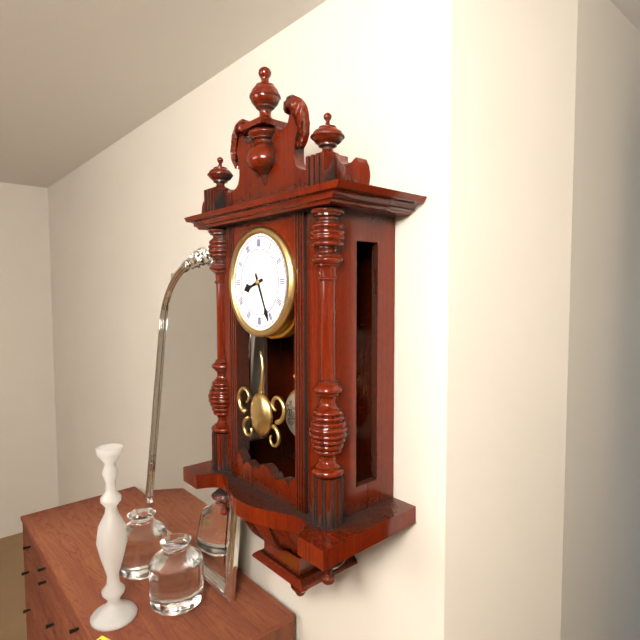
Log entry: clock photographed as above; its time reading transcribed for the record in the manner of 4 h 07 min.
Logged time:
8 h 26 min
